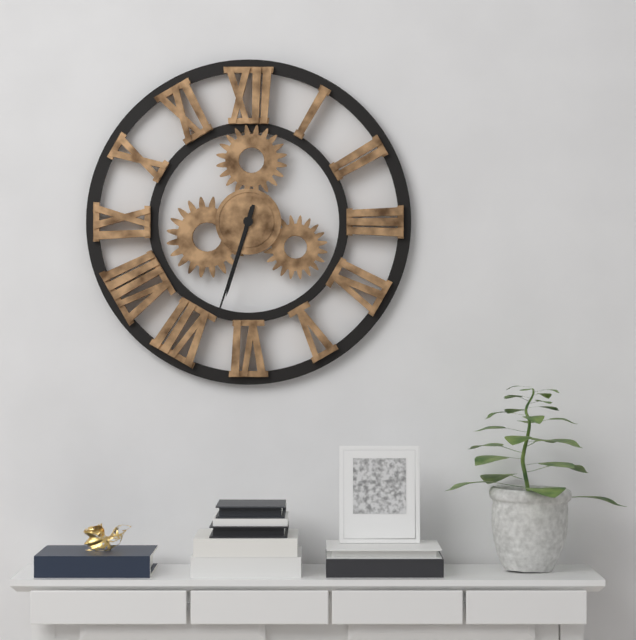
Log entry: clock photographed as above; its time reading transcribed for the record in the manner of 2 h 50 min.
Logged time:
6 h 33 min
